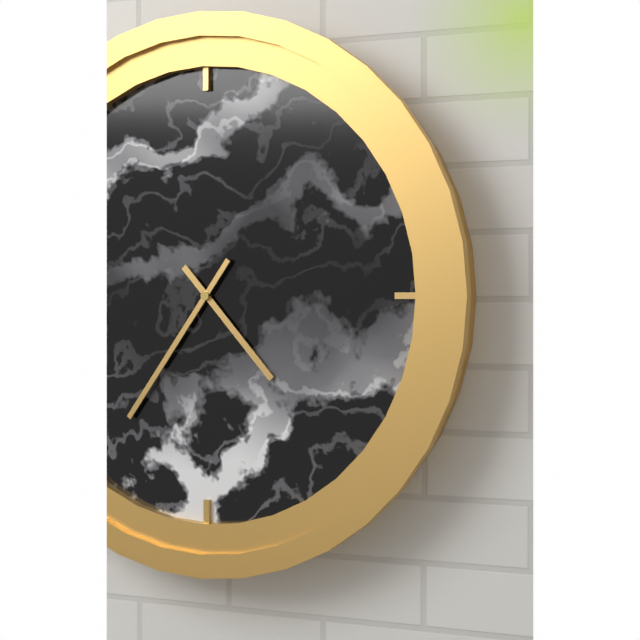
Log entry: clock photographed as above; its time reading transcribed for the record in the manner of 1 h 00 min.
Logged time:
4 h 36 min
